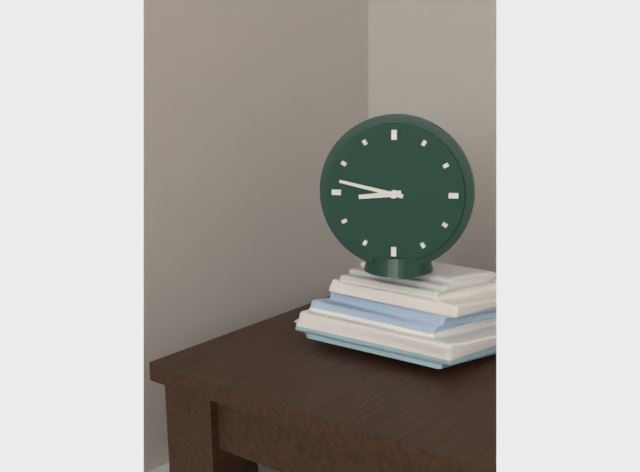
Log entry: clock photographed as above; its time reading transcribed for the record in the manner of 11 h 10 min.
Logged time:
8 h 47 min
